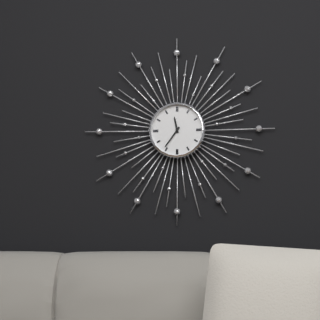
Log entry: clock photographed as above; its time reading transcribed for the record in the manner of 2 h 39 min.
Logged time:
11 h 36 min
